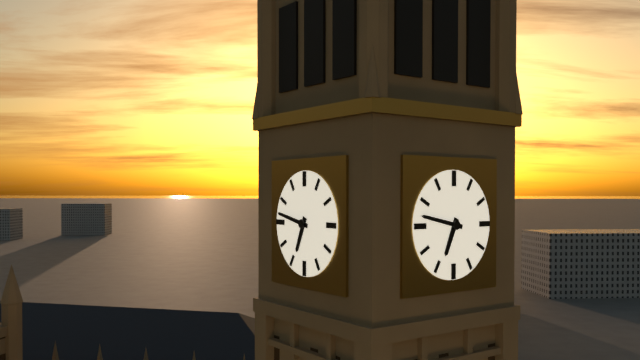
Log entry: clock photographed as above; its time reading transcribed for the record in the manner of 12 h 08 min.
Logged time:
6 h 47 min
